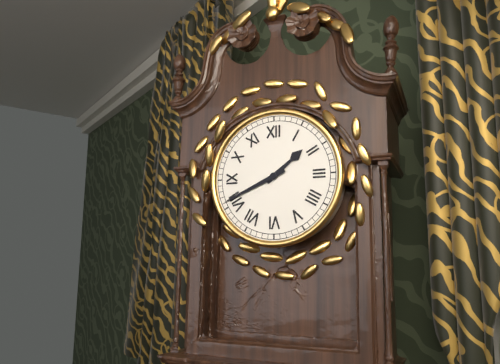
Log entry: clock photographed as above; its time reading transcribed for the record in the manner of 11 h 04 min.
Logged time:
1 h 41 min
